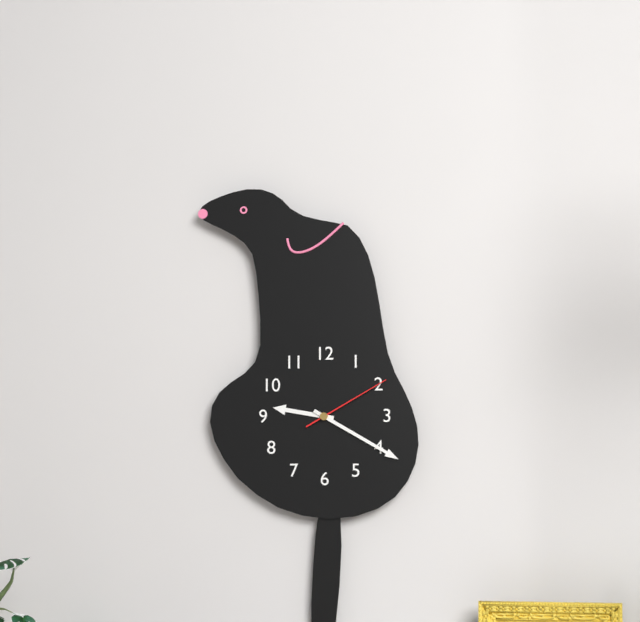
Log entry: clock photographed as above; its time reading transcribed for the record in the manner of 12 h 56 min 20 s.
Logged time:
9 h 20 min 10 s
